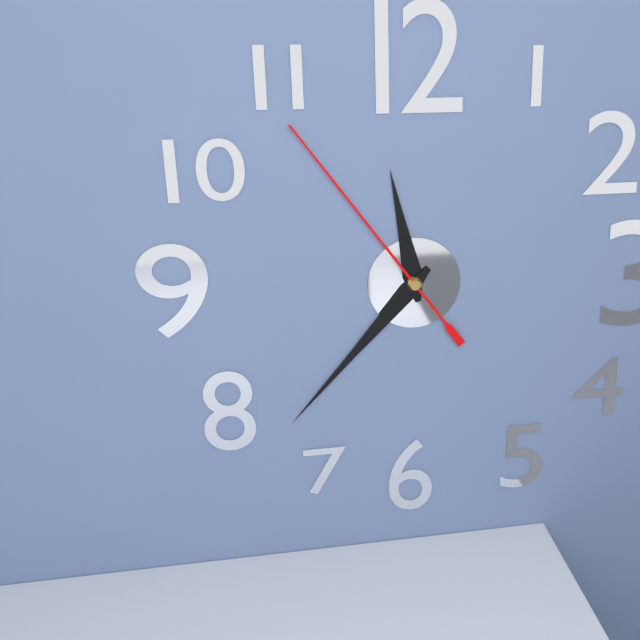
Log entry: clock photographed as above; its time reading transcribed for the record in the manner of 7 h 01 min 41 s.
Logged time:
11 h 37 min 54 s
